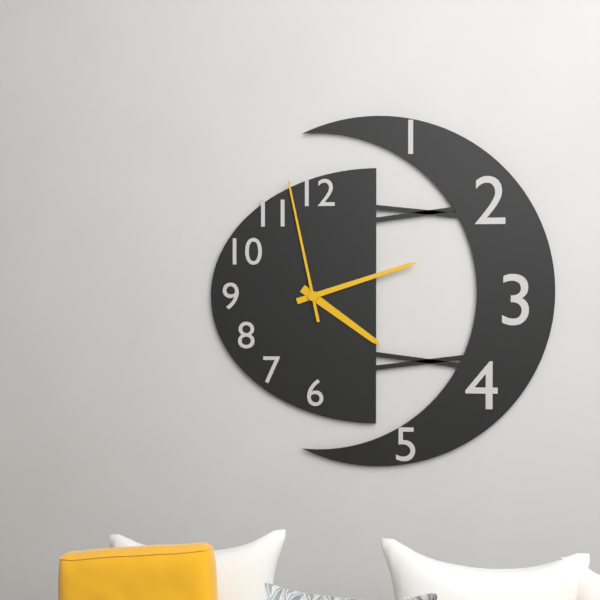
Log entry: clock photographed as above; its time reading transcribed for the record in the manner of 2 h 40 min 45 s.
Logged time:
4 h 12 min 58 s
